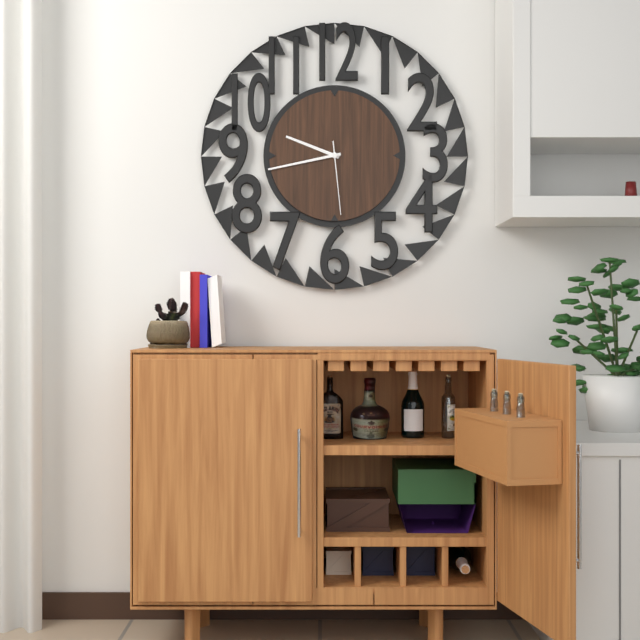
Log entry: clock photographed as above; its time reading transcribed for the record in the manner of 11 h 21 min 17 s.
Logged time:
9 h 43 min 29 s
